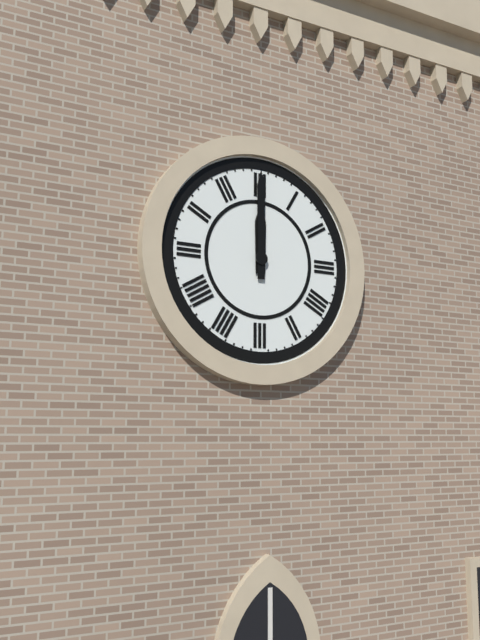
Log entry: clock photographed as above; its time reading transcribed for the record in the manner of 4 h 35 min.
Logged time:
12 h 00 min
